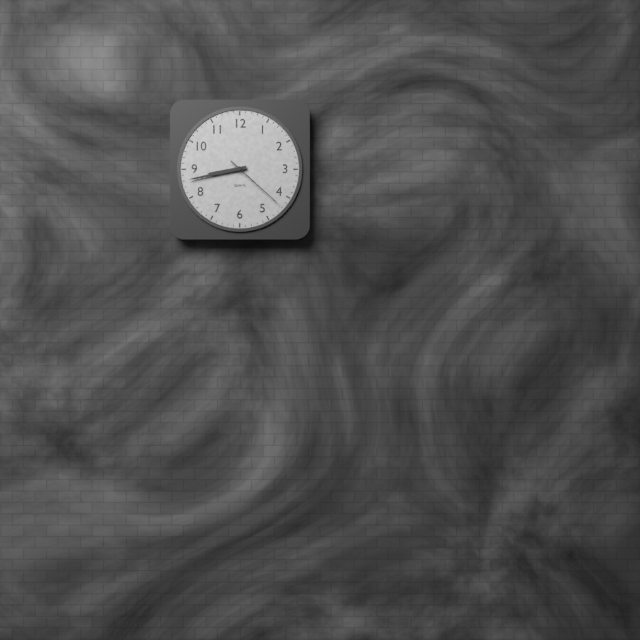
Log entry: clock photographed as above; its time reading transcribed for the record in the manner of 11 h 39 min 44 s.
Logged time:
8 h 43 min 22 s
